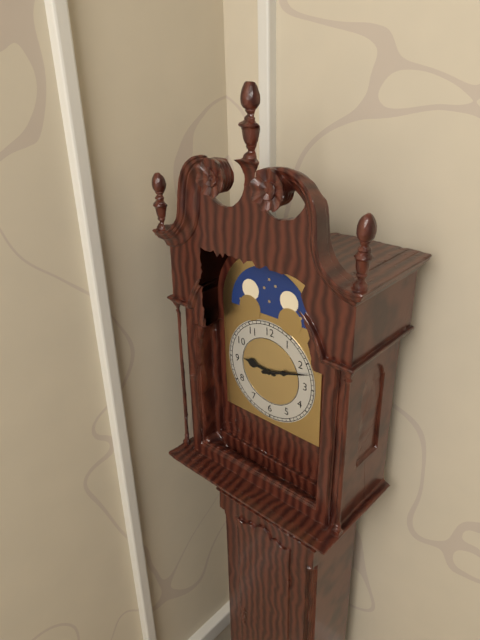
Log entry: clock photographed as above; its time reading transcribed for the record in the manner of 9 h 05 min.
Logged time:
9 h 12 min
